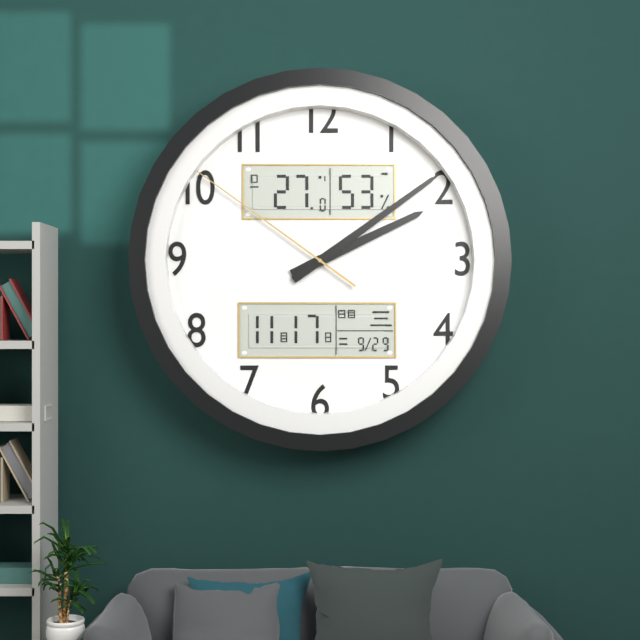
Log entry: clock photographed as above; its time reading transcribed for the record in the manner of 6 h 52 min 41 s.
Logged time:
2 h 09 min 51 s
